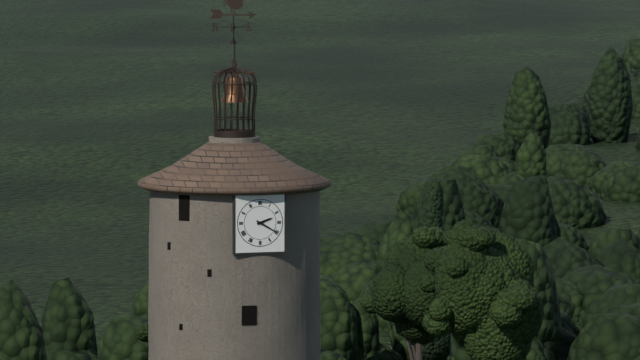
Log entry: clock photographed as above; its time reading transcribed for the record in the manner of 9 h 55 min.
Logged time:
2 h 20 min
